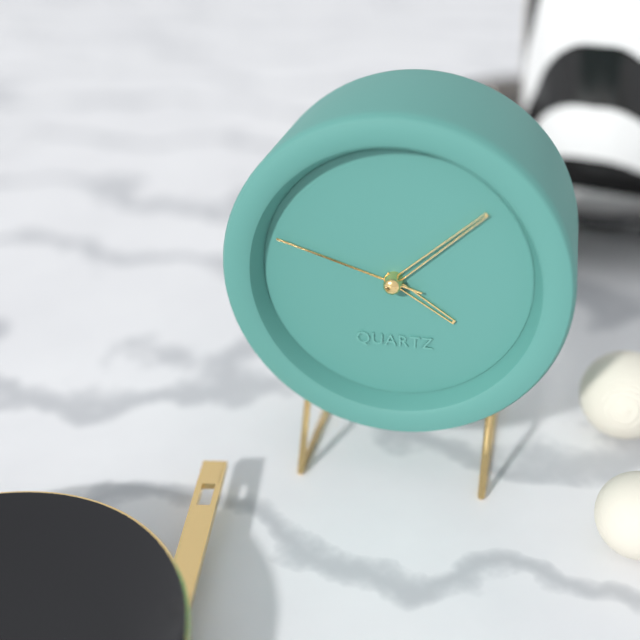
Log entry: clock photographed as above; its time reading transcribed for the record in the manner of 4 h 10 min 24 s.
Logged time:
4 h 08 min 48 s
